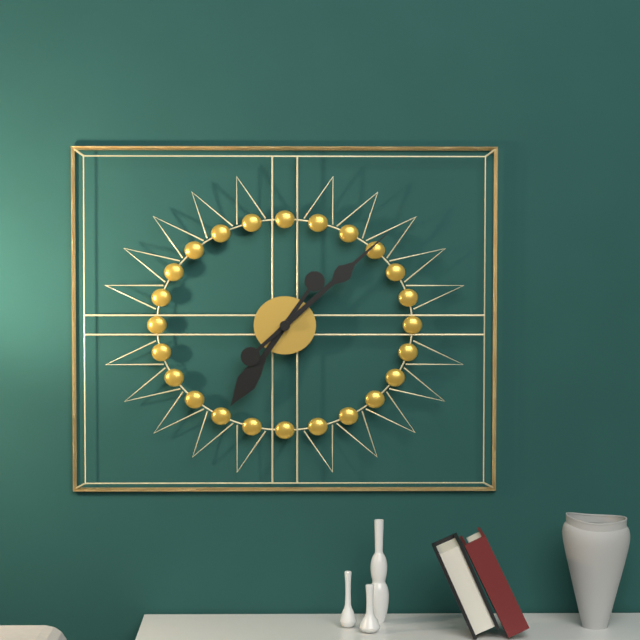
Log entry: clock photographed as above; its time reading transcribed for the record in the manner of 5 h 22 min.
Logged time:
7 h 08 min
